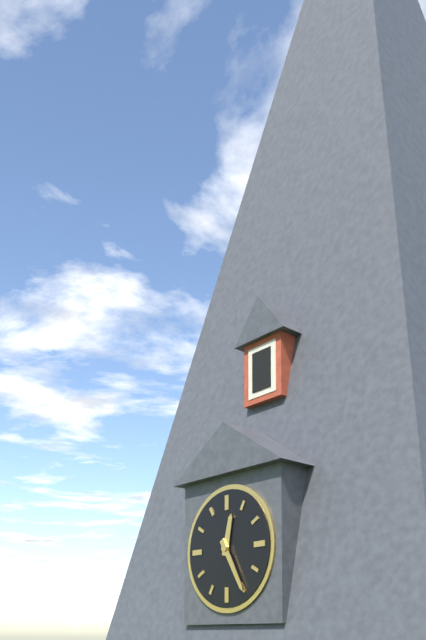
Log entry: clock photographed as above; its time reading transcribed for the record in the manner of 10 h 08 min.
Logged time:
12 h 25 min
